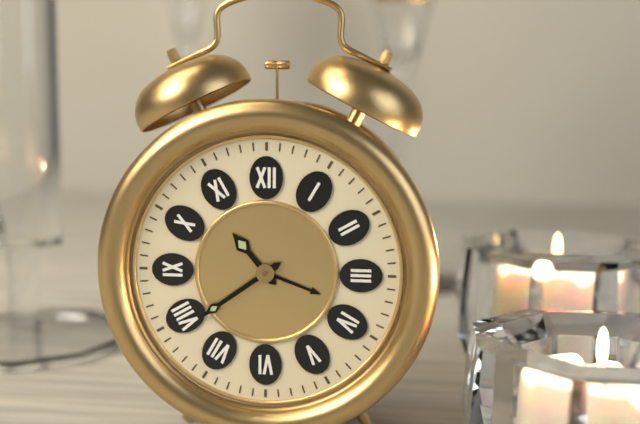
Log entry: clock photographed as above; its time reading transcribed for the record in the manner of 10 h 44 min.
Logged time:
10 h 39 min
